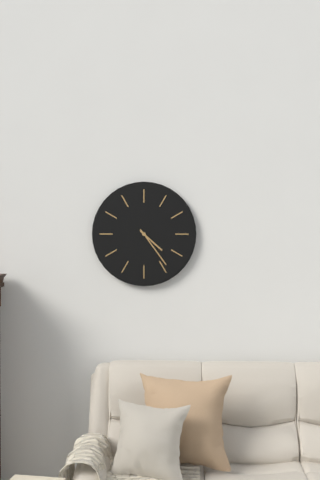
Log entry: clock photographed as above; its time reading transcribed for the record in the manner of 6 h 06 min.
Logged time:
4 h 24 min
